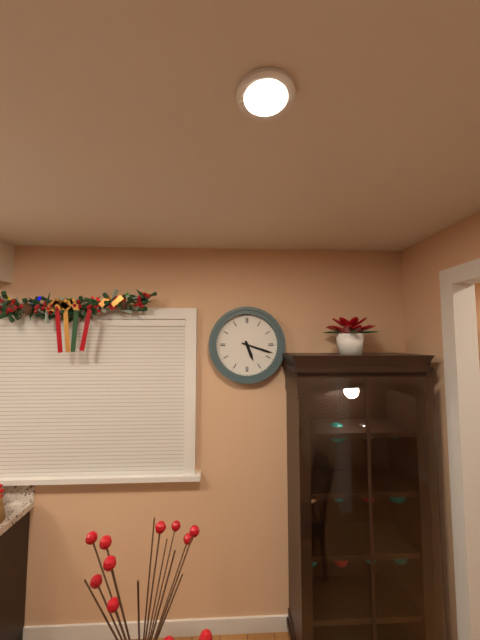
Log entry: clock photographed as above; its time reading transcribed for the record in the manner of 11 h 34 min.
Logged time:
5 h 18 min
